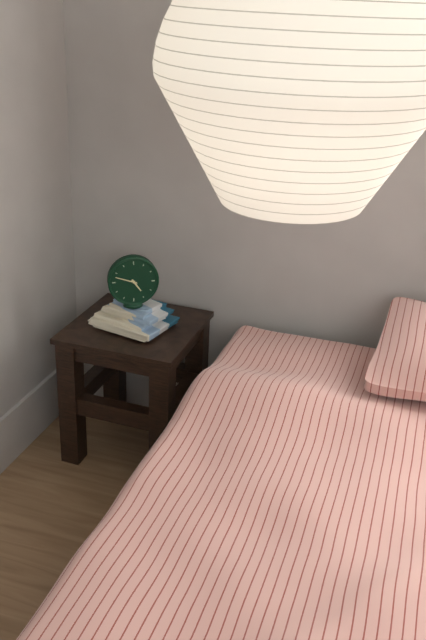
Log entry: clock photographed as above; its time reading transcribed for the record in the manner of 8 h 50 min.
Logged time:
4 h 48 min
